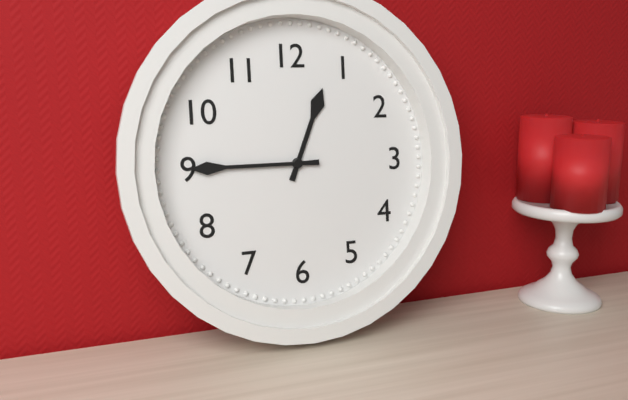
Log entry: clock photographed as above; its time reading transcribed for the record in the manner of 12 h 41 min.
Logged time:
12 h 45 min
